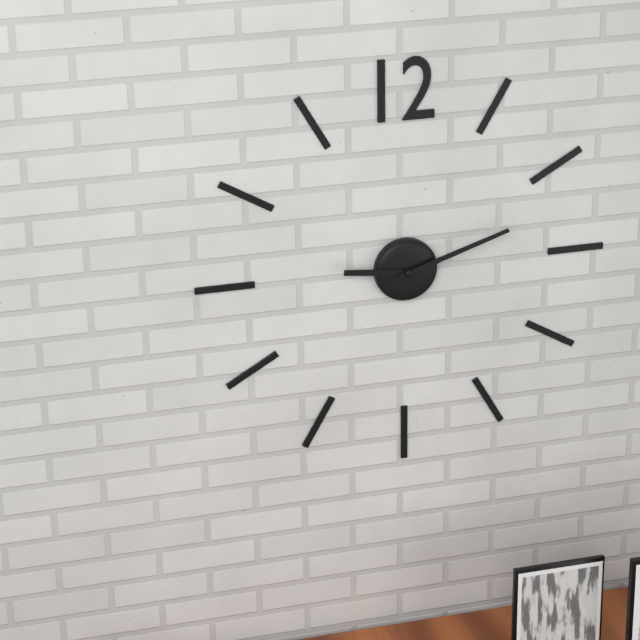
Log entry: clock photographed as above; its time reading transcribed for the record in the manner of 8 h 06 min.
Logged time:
9 h 12 min
